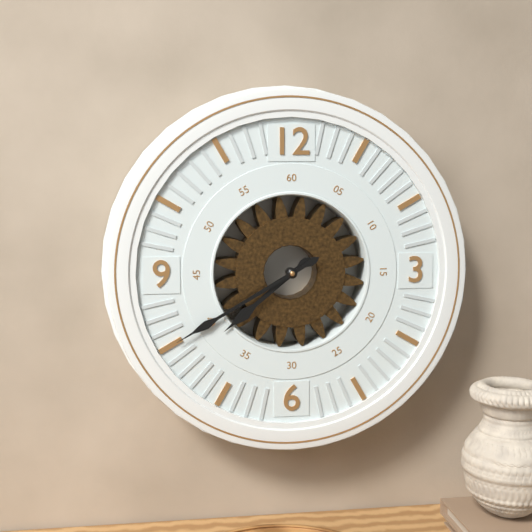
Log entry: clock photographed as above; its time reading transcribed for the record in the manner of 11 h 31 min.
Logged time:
7 h 40 min
